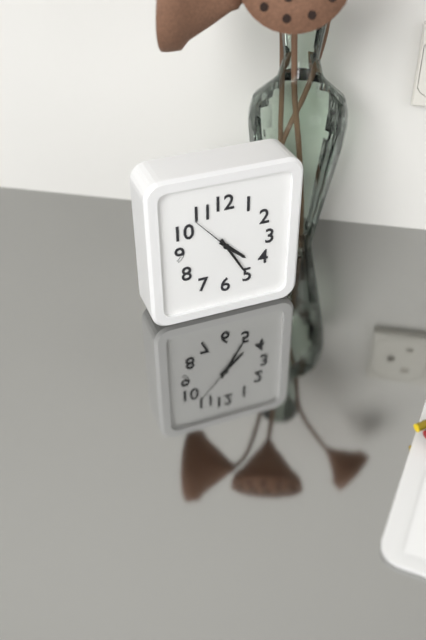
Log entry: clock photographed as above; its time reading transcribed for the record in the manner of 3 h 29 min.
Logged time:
4 h 25 min
